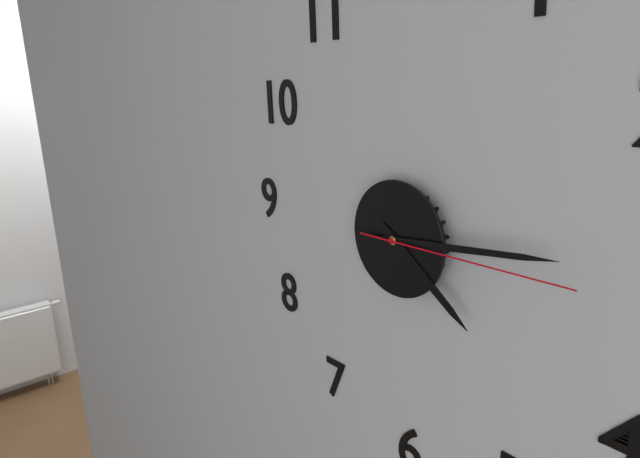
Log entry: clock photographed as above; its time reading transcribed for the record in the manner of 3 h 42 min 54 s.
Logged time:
4 h 14 min 15 s
